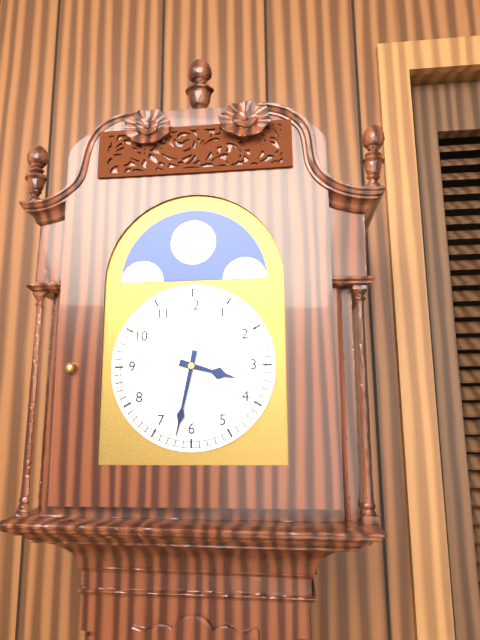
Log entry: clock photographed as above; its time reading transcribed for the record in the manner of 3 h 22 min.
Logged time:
3 h 32 min
